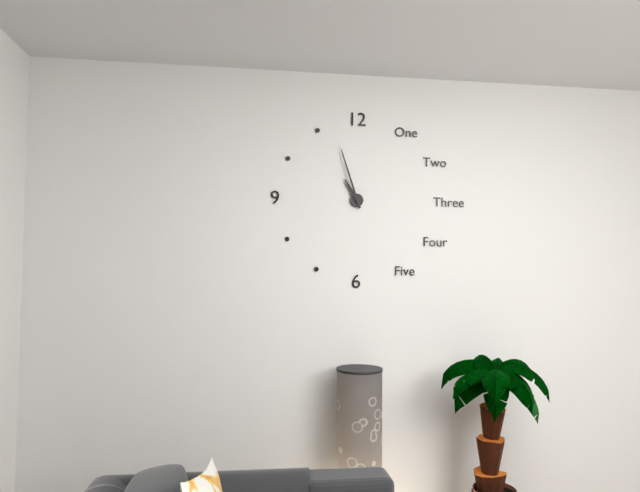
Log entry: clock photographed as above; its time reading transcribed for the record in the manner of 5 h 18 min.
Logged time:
10 h 57 min
